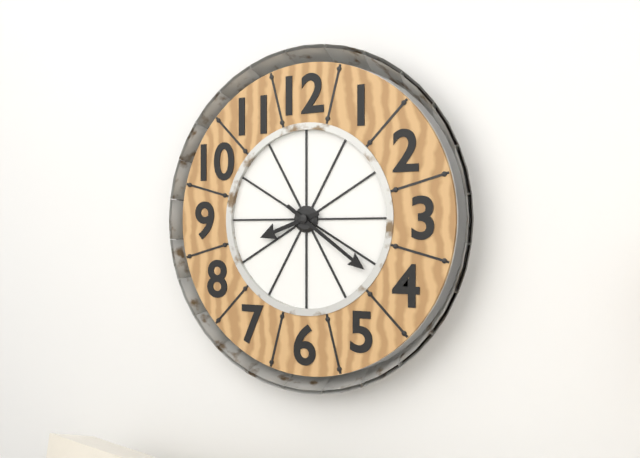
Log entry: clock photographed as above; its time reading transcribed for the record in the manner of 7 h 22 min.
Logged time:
8 h 21 min
